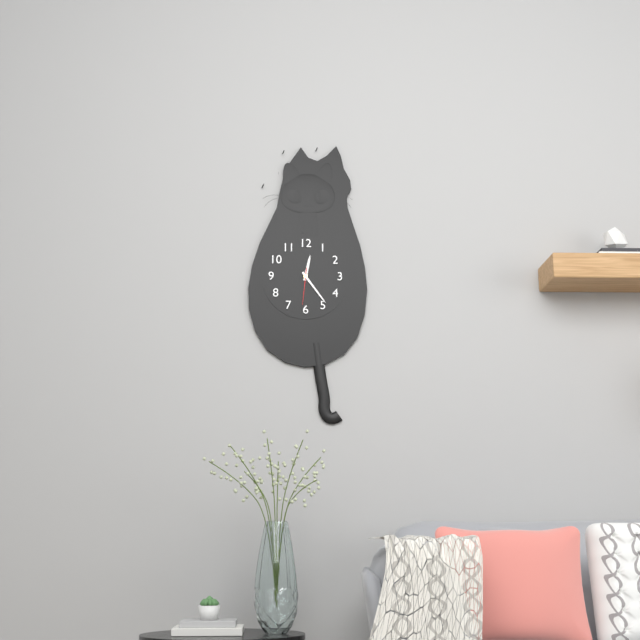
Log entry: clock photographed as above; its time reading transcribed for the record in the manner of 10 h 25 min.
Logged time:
12 h 24 min
